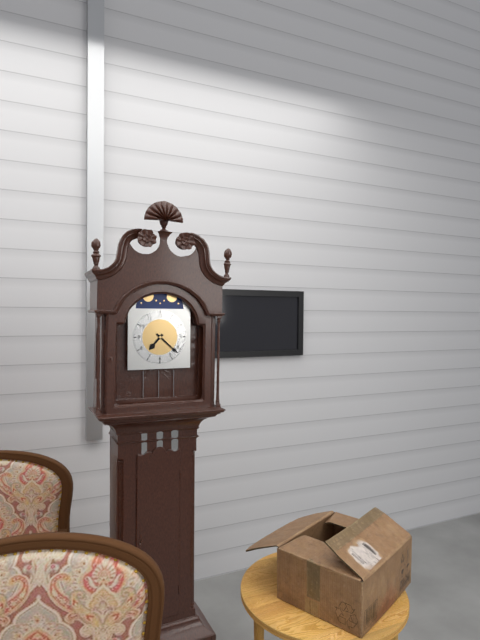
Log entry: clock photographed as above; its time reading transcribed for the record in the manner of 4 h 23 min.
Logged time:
7 h 22 min
